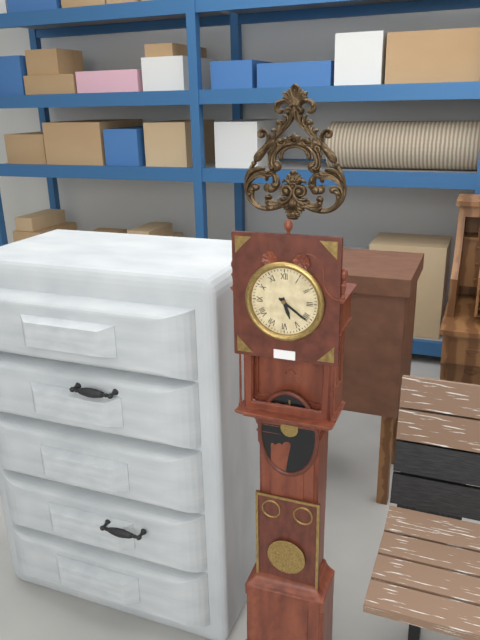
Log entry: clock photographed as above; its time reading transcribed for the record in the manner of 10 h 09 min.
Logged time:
5 h 21 min
